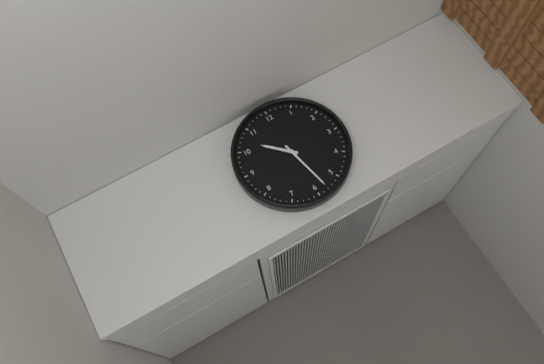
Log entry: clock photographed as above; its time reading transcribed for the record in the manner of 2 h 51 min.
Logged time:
10 h 28 min
